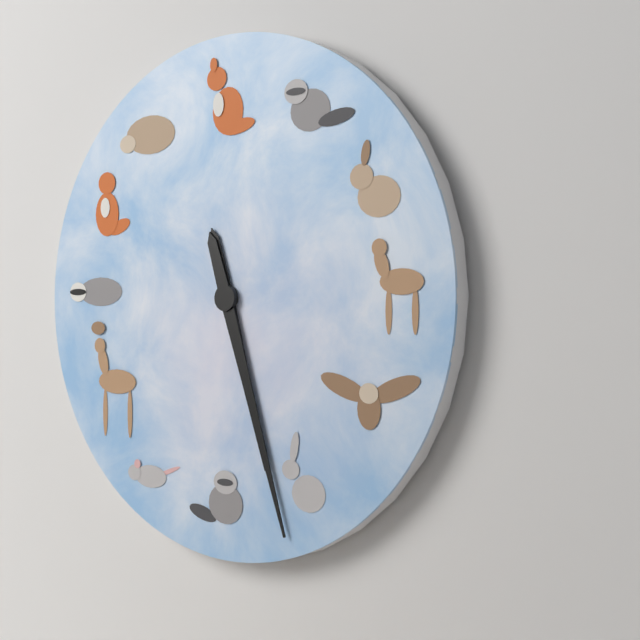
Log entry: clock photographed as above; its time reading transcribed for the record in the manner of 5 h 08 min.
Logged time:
5 h 27 min
